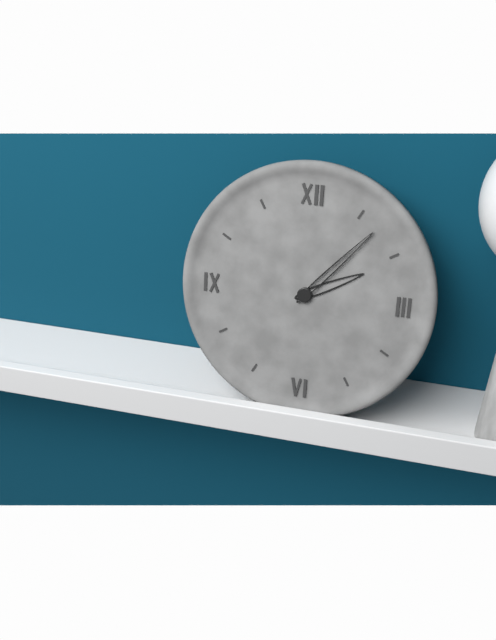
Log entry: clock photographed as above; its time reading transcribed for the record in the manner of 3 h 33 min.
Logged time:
2 h 07 min
